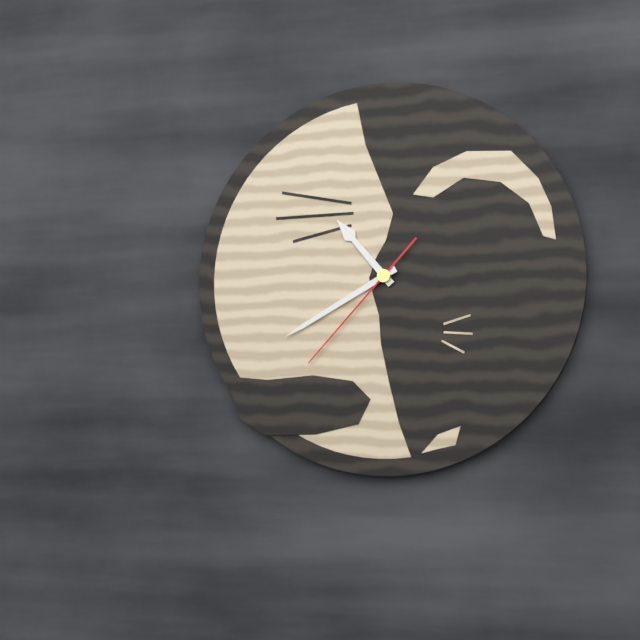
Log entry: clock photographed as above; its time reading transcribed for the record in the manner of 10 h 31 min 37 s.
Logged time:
10 h 40 min 37 s
